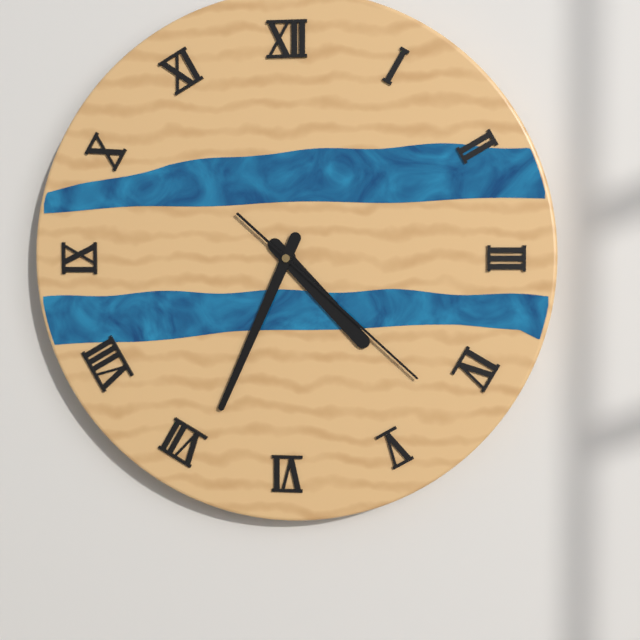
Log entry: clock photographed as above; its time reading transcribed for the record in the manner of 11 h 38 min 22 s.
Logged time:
4 h 34 min 22 s
